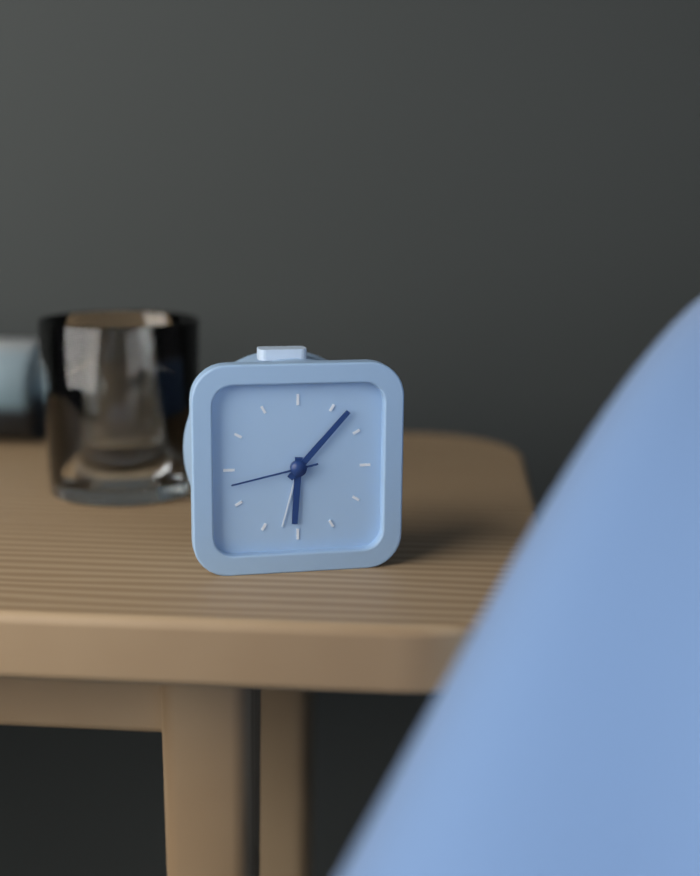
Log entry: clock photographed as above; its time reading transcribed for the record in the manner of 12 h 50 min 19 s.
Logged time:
6 h 07 min 43 s
